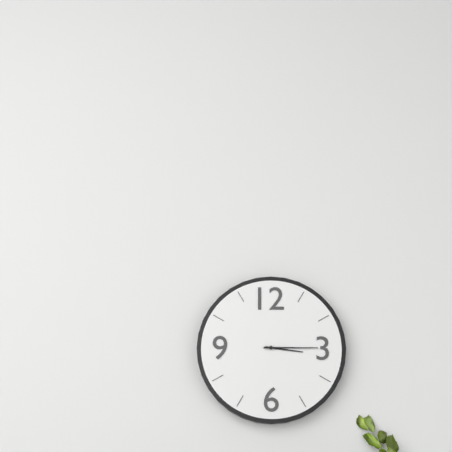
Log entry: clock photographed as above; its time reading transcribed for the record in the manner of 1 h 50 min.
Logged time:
3 h 15 min
